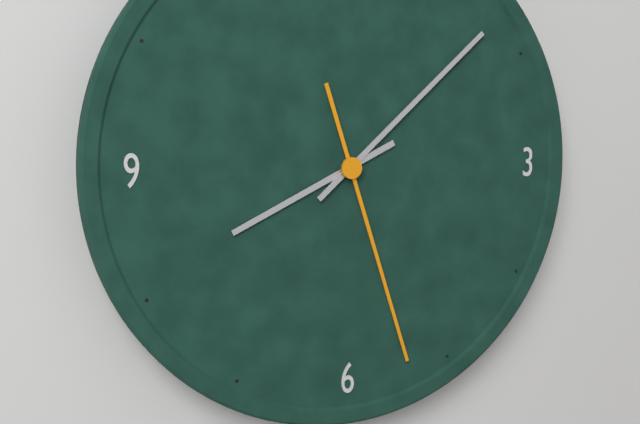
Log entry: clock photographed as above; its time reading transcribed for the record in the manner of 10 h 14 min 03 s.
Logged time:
8 h 08 min 27 s
